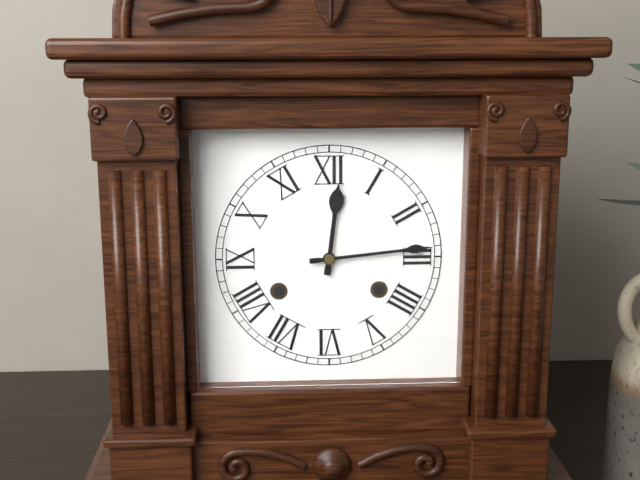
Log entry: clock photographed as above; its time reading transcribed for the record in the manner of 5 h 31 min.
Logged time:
12 h 14 min
